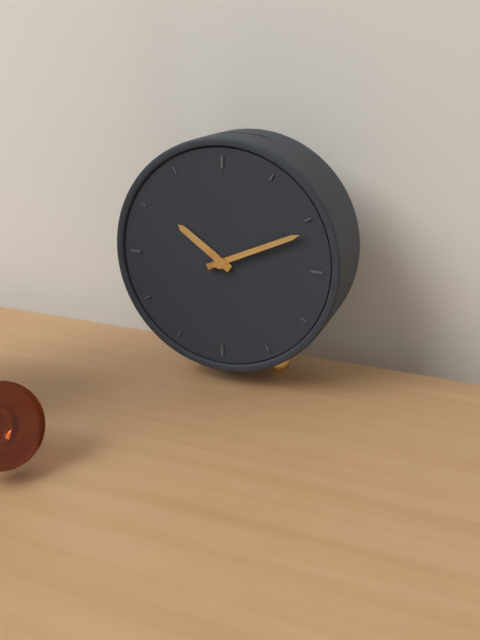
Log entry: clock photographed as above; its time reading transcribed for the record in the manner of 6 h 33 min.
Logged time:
10 h 11 min
